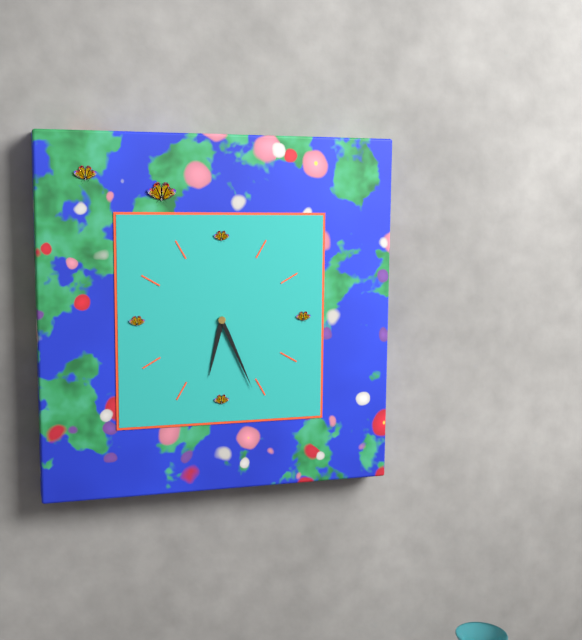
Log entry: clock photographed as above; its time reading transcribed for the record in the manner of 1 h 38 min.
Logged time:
6 h 26 min
